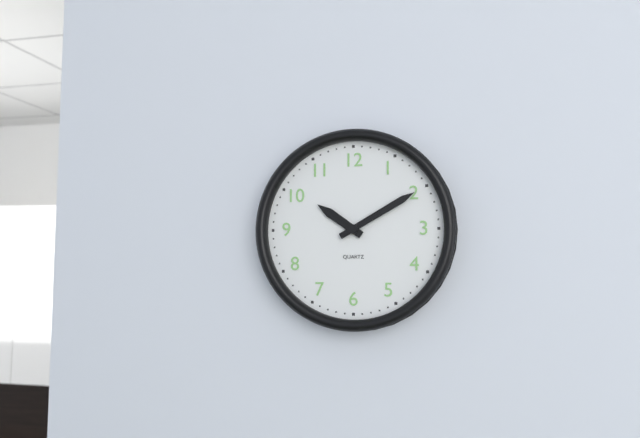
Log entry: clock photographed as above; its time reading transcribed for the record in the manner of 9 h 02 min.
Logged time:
10 h 10 min
